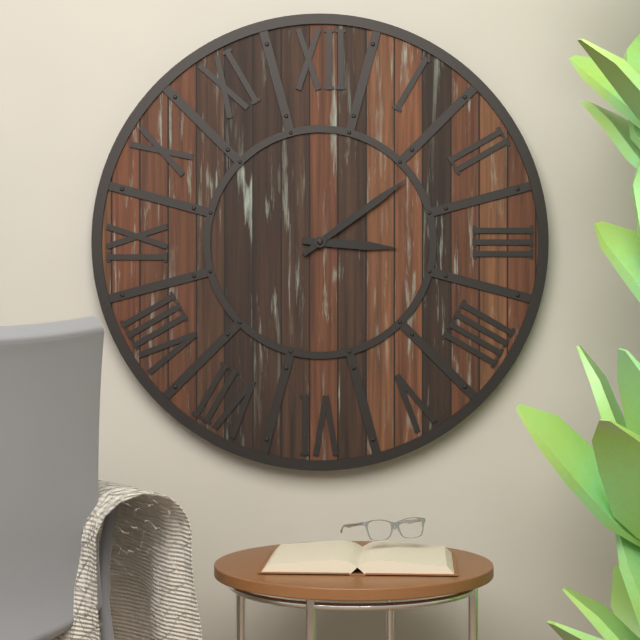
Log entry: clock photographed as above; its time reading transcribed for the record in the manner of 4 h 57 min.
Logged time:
3 h 09 min
